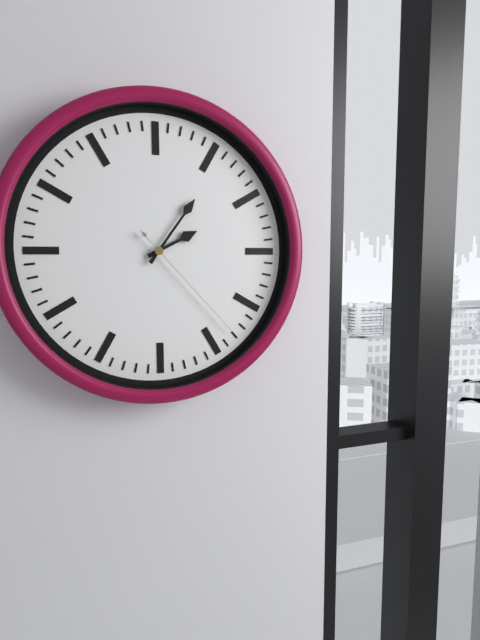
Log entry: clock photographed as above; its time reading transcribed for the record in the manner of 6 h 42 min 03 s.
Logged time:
2 h 06 min 23 s
